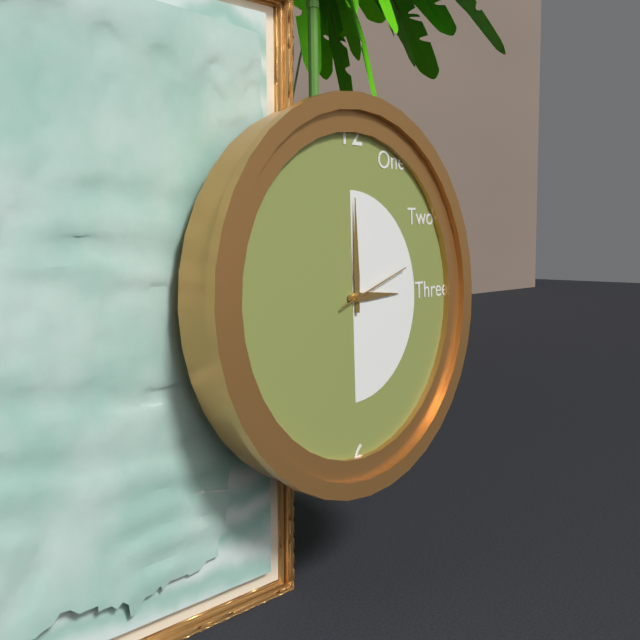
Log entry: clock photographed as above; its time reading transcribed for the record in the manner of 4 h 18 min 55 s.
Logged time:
3 h 00 min 12 s
